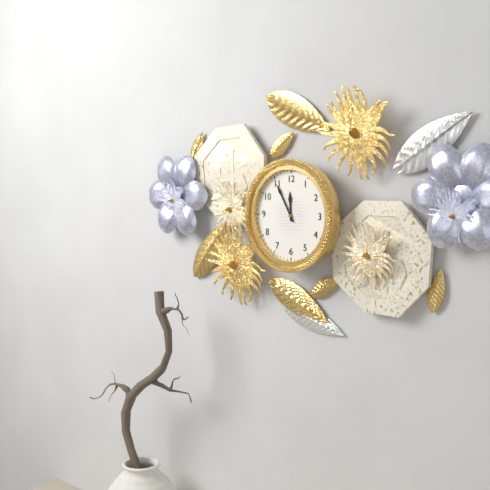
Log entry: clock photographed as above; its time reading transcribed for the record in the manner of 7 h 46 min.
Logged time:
11 h 55 min
